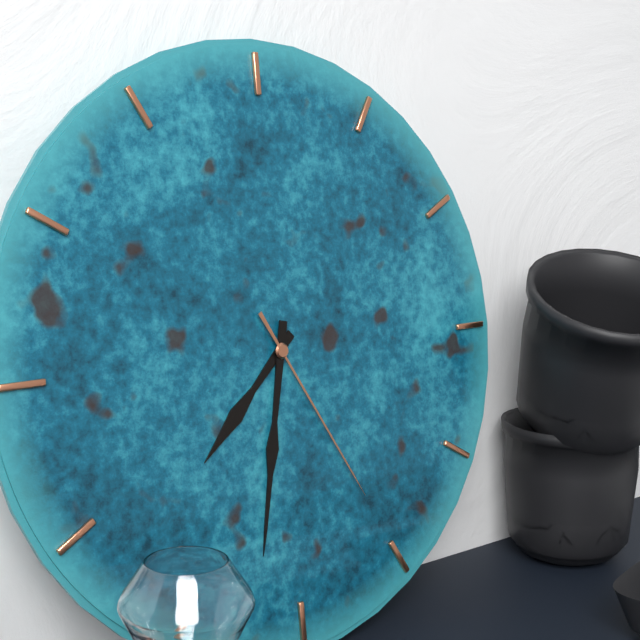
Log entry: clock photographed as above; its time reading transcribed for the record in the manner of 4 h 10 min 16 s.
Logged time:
7 h 32 min 25 s
